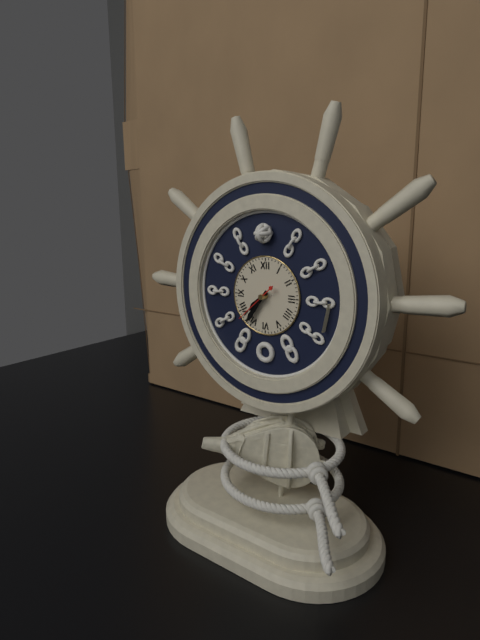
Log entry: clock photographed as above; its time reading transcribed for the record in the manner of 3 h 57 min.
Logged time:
7 h 36 min
